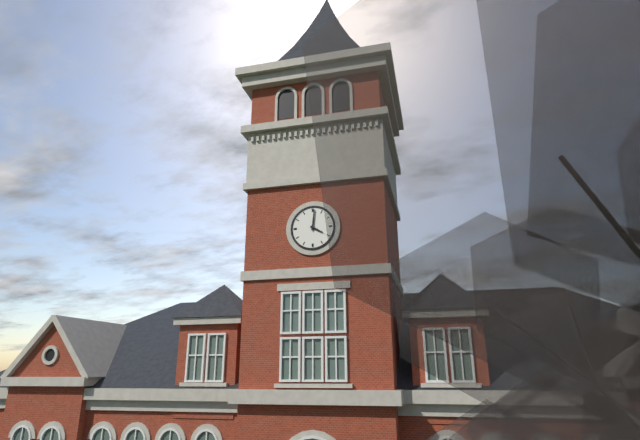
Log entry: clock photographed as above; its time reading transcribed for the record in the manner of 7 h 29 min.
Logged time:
4 h 01 min
